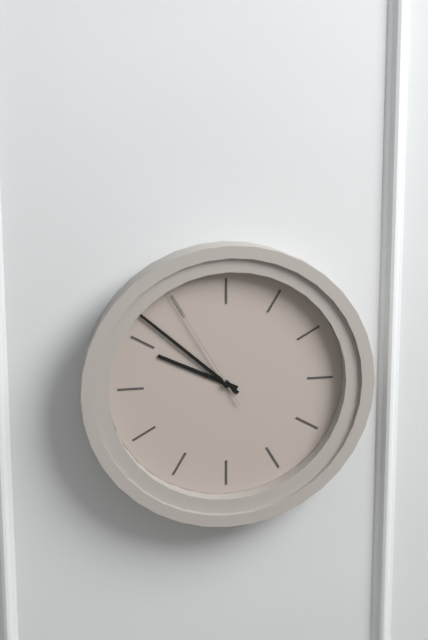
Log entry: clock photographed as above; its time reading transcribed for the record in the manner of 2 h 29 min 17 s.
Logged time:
9 h 52 min 55 s
